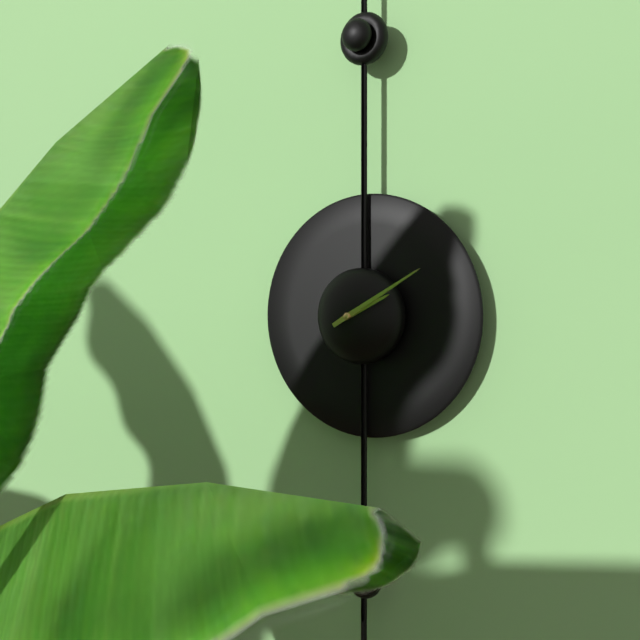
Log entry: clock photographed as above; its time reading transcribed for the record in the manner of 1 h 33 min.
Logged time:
2 h 10 min
